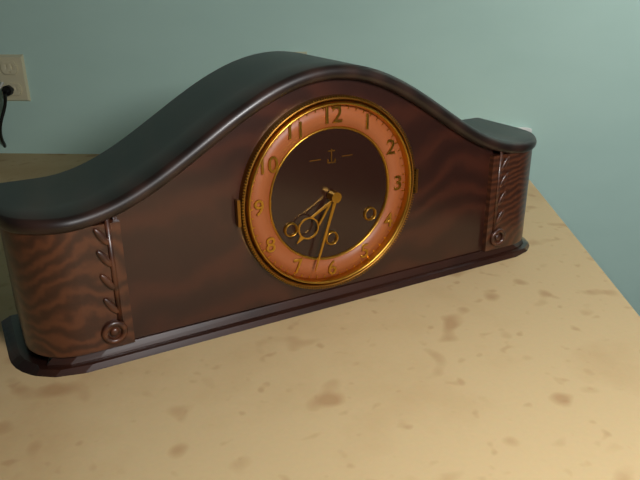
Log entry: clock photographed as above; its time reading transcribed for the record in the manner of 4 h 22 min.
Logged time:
7 h 33 min
